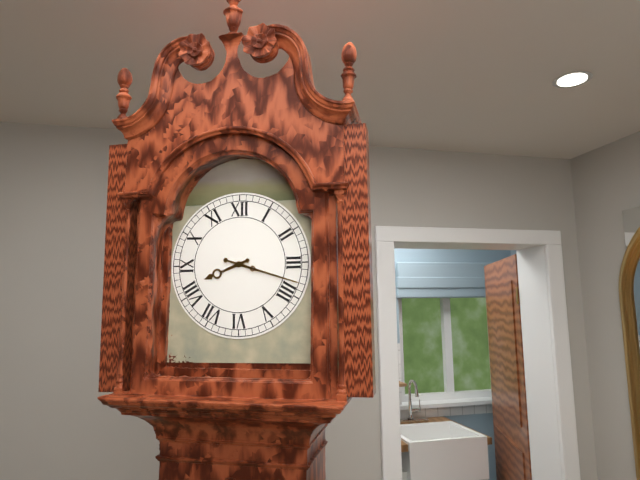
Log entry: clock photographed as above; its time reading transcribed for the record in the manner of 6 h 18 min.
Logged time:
8 h 18 min
